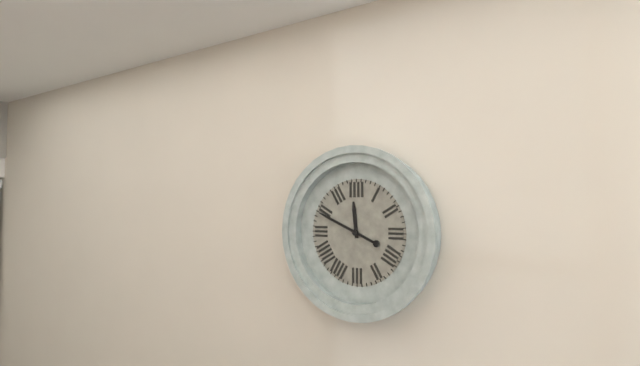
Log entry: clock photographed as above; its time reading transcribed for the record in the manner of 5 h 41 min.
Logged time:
11 h 49 min
